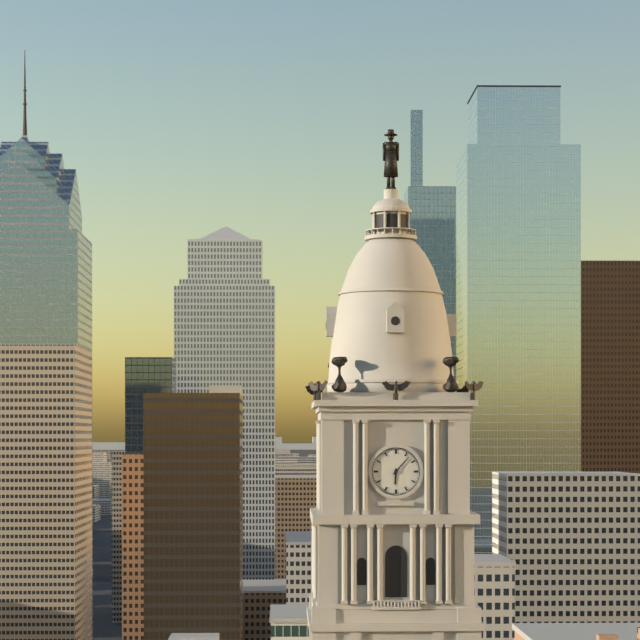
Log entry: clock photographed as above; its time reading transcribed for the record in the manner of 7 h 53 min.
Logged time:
6 h 07 min
